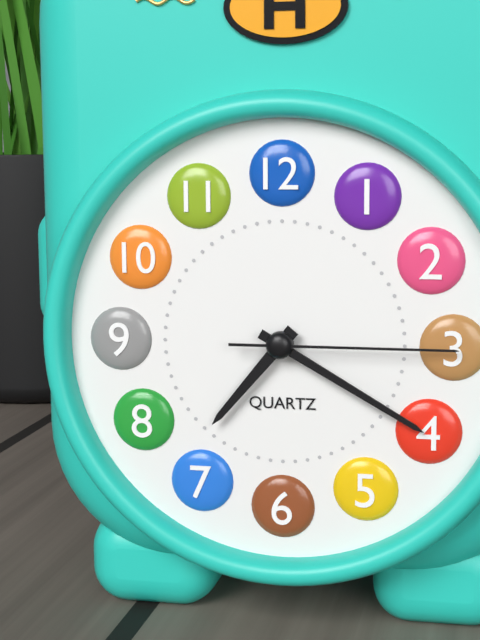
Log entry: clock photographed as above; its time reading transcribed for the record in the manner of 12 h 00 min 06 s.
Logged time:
7 h 20 min 15 s
